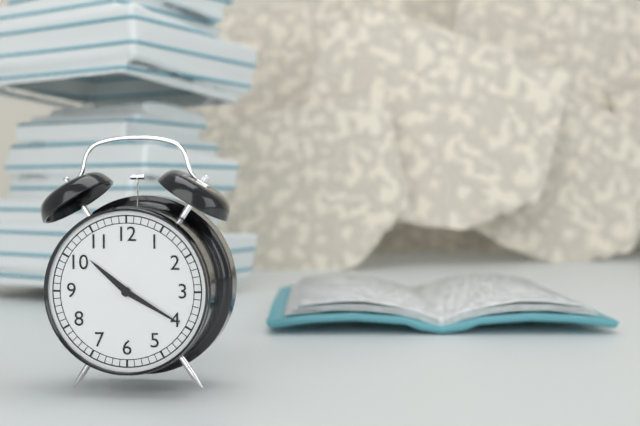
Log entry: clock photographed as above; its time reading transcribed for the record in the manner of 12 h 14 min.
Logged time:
10 h 20 min
